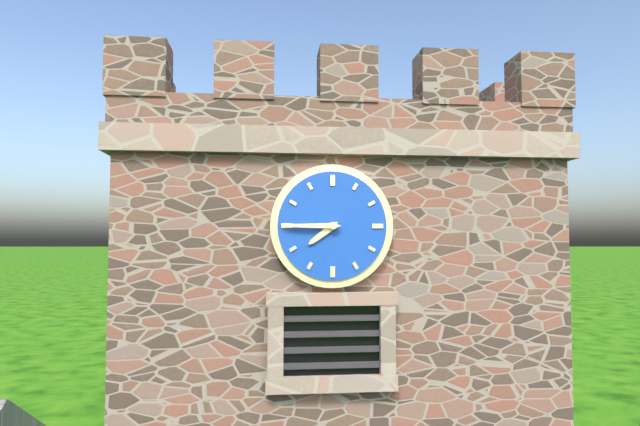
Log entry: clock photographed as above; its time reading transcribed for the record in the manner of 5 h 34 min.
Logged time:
7 h 45 min
